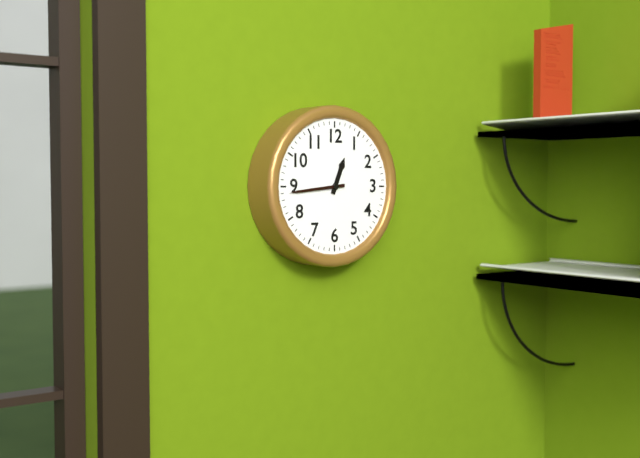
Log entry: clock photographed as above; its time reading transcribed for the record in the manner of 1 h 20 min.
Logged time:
12 h 44 min
